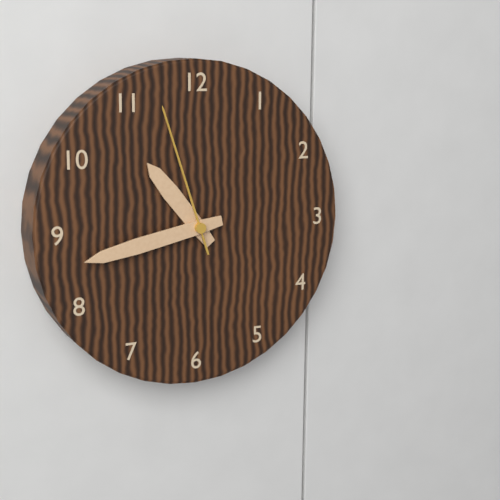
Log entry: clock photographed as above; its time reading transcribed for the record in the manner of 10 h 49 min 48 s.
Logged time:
10 h 43 min 57 s
